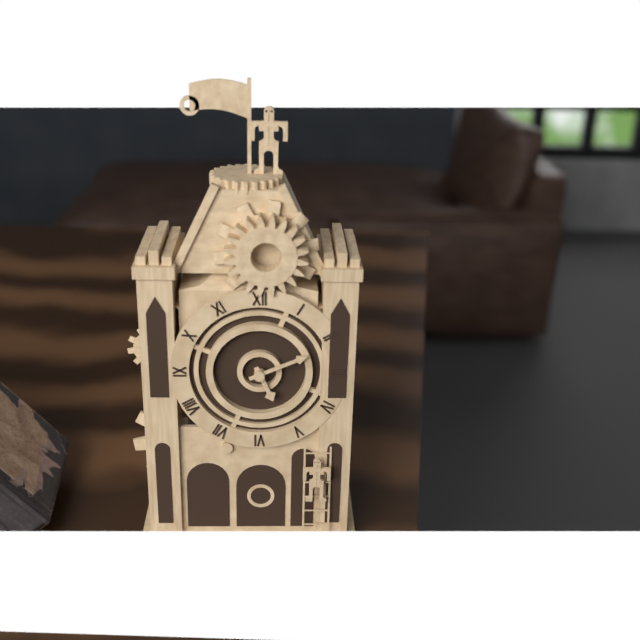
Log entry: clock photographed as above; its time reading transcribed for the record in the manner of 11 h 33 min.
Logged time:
5 h 11 min
